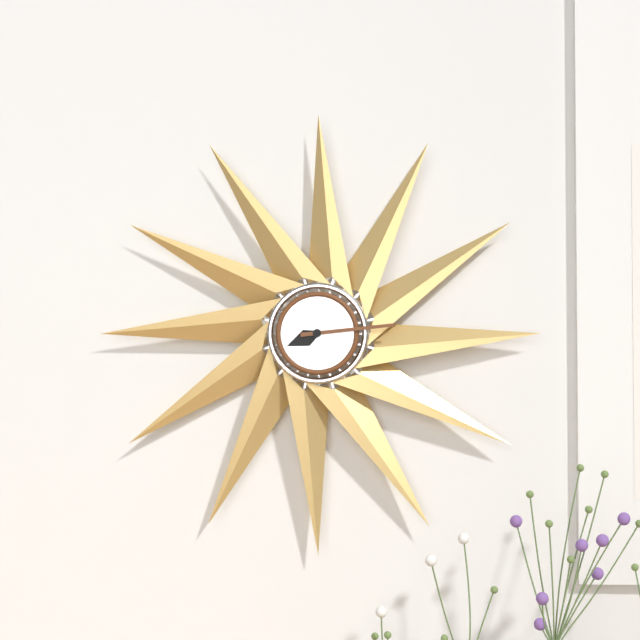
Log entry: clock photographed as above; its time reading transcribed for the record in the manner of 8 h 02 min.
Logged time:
8 h 14 min
